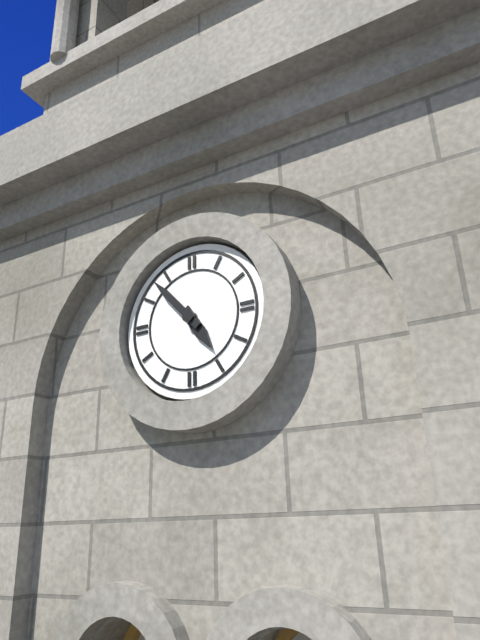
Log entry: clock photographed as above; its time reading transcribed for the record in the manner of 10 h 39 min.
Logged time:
4 h 53 min
